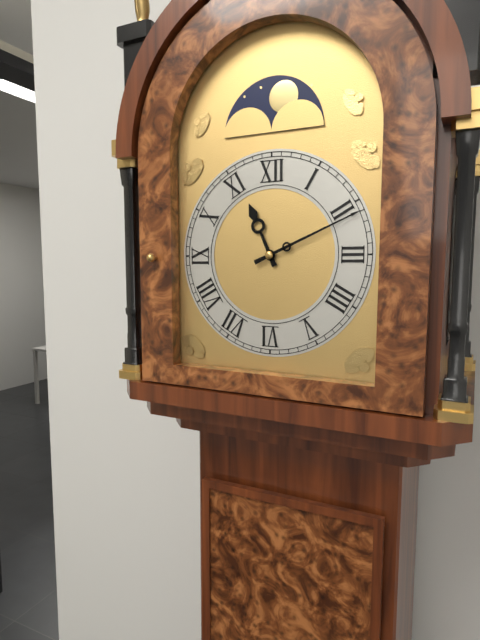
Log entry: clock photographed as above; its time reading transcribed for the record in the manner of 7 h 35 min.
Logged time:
11 h 11 min
